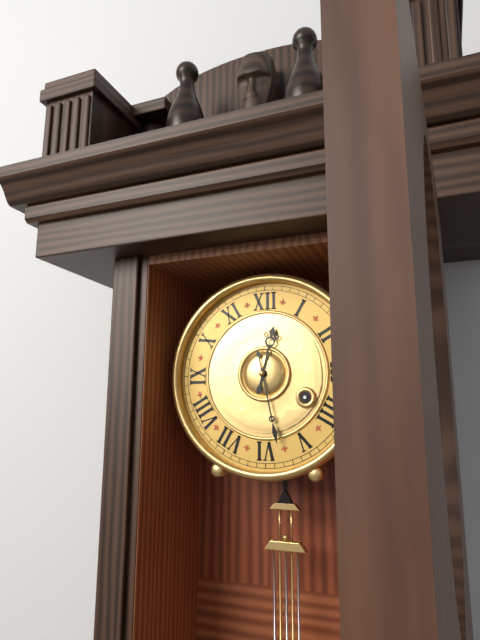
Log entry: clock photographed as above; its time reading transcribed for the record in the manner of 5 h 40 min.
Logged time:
12 h 28 min
